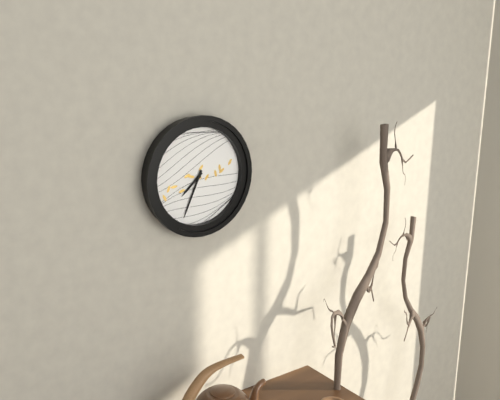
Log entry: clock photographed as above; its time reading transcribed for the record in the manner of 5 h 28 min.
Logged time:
7 h 34 min
